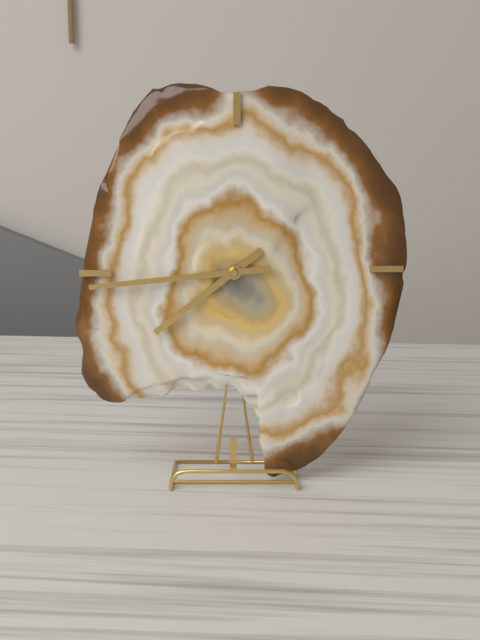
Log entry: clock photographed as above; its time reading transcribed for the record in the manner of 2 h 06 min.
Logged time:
7 h 44 min
